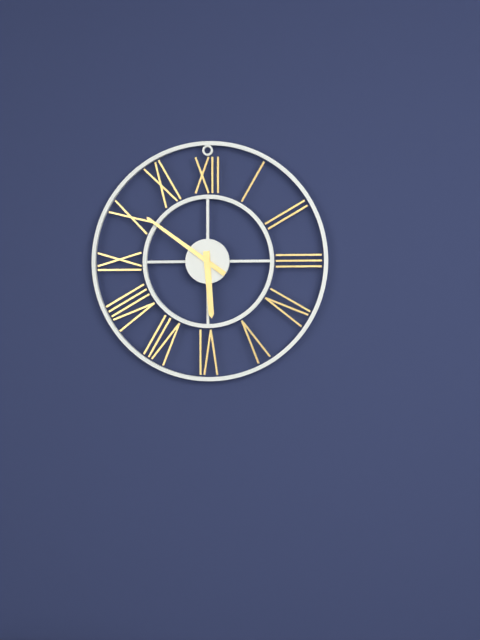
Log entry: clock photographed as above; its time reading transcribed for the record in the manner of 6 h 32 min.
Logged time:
5 h 51 min
